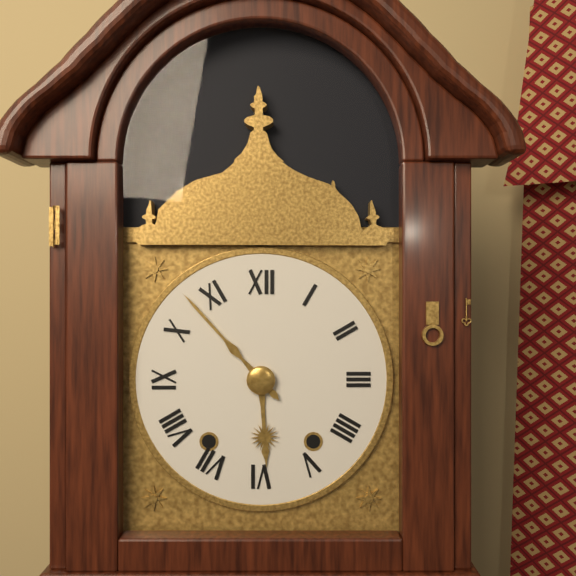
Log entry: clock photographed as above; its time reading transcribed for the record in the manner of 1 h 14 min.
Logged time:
5 h 53 min
